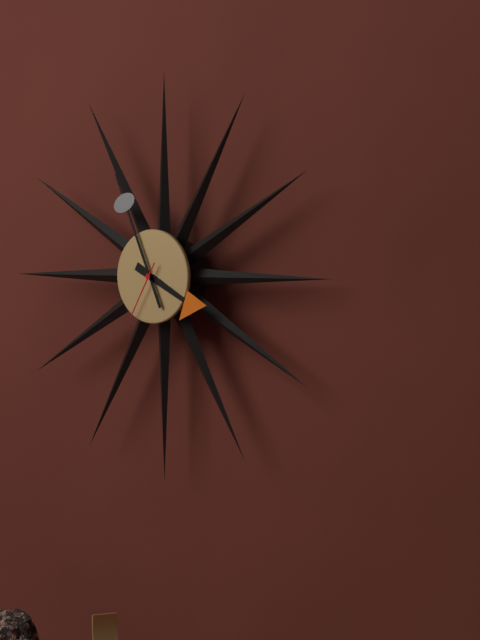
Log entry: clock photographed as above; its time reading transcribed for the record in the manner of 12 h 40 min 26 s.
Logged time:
3 h 56 min 35 s
